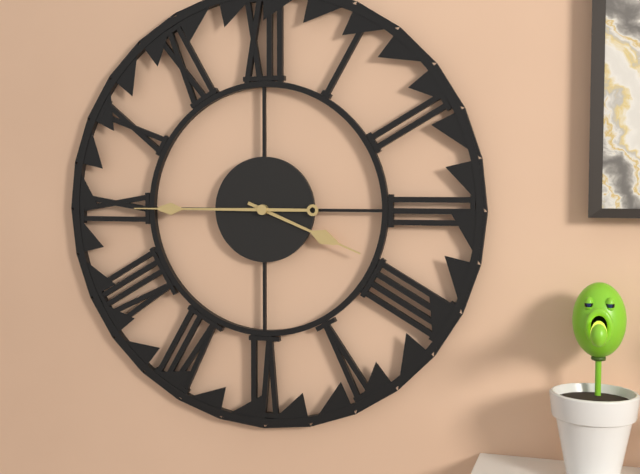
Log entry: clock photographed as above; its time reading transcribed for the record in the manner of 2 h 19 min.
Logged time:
3 h 45 min
